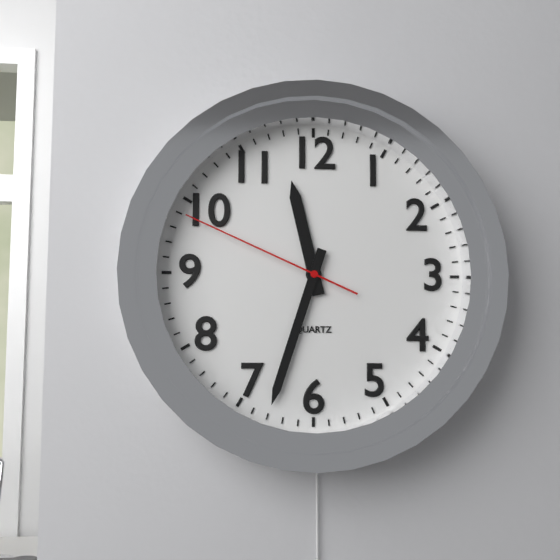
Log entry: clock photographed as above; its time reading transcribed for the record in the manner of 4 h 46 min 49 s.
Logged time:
11 h 33 min 49 s
